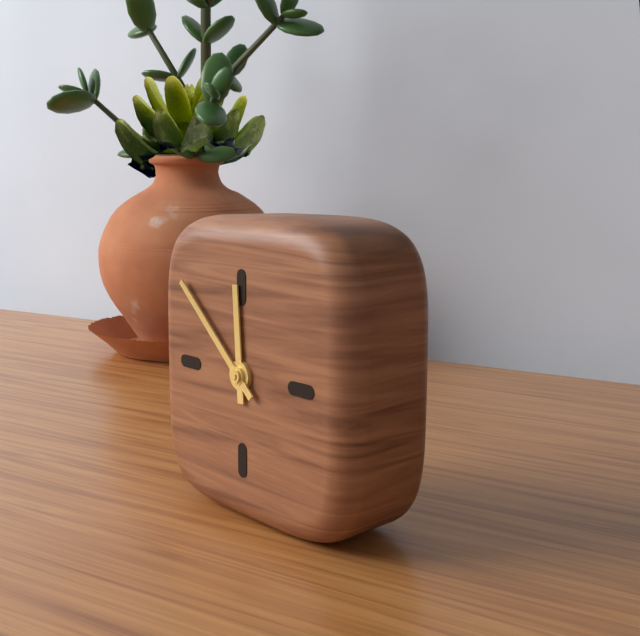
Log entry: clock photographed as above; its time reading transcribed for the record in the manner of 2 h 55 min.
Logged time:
11 h 52 min
